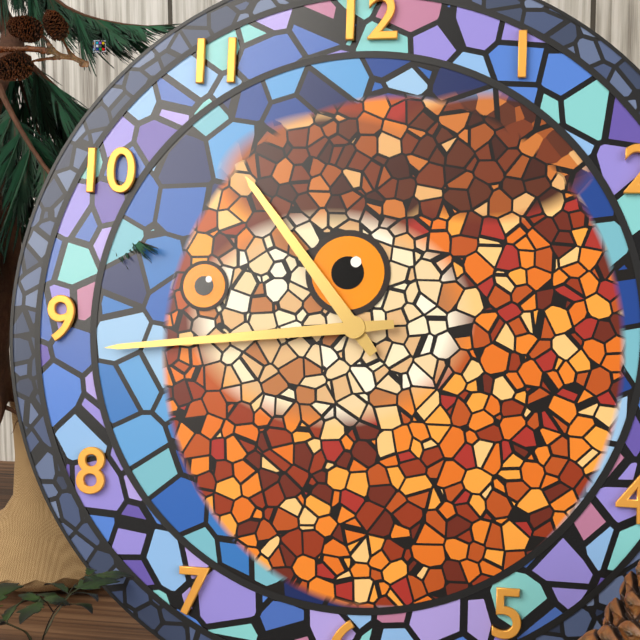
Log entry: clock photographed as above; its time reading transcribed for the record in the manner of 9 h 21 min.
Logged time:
10 h 44 min
